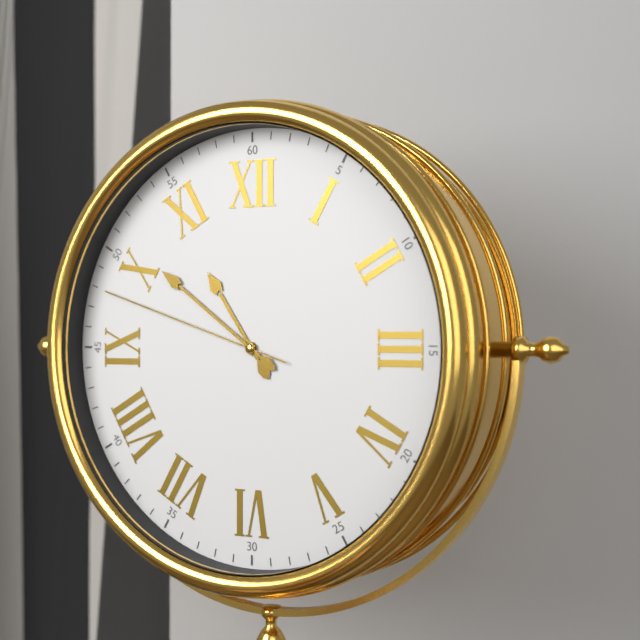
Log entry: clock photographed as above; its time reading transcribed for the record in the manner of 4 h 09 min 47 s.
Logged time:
10 h 51 min 48 s
